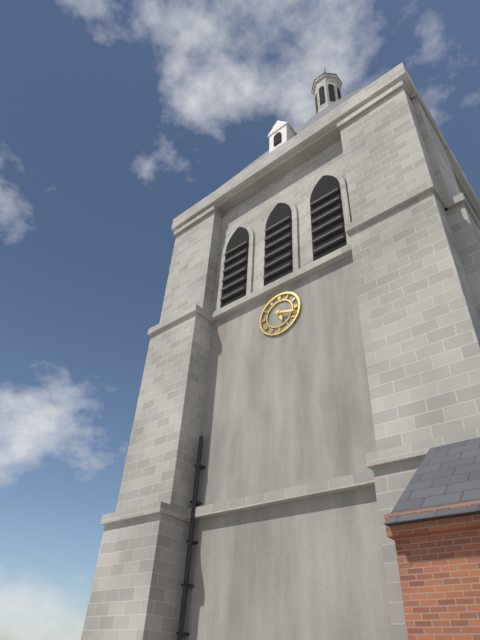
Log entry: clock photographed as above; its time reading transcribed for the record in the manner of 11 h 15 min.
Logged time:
5 h 18 min
